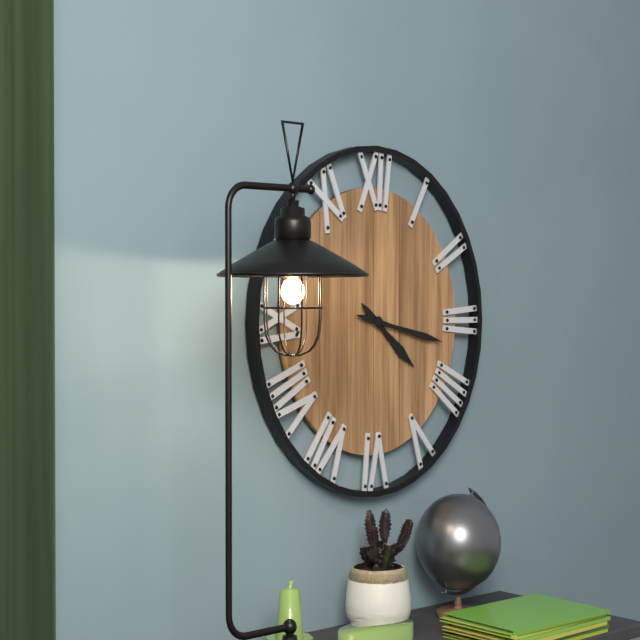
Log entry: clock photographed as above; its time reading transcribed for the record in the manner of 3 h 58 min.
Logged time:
4 h 17 min
